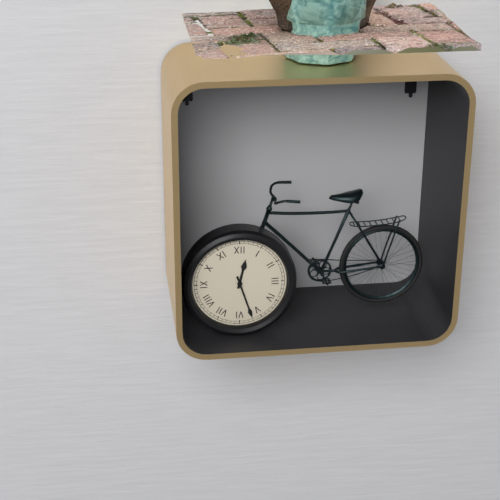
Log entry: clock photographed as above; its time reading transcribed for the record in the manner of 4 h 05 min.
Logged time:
12 h 27 min
